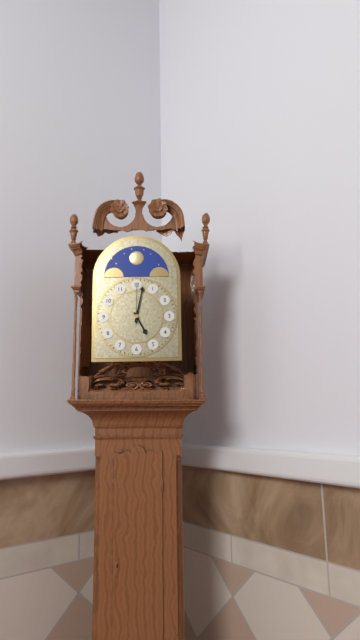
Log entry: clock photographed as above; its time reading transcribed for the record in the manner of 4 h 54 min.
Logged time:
5 h 02 min
